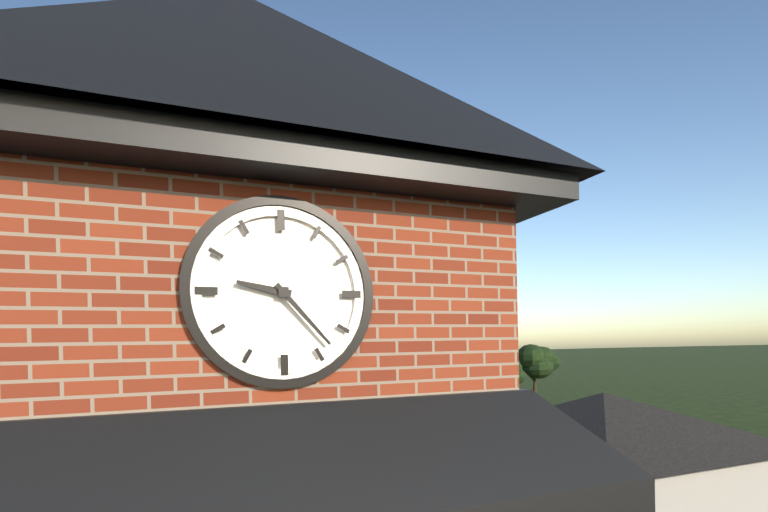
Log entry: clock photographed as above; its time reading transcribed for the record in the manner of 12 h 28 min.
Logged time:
9 h 23 min
